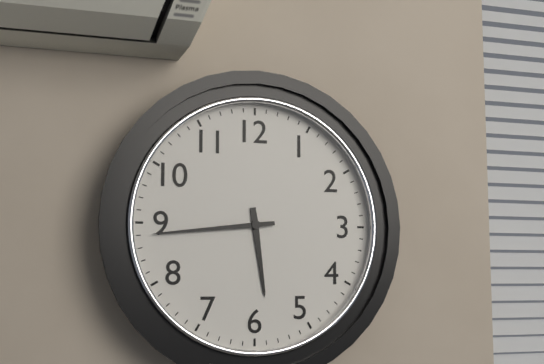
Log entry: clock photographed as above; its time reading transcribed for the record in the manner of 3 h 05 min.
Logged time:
5 h 44 min
